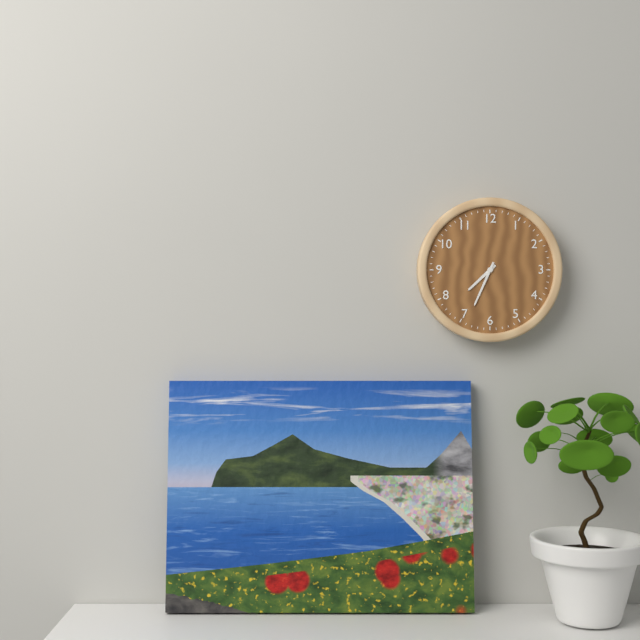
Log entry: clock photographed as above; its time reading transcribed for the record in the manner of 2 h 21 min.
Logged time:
7 h 34 min
